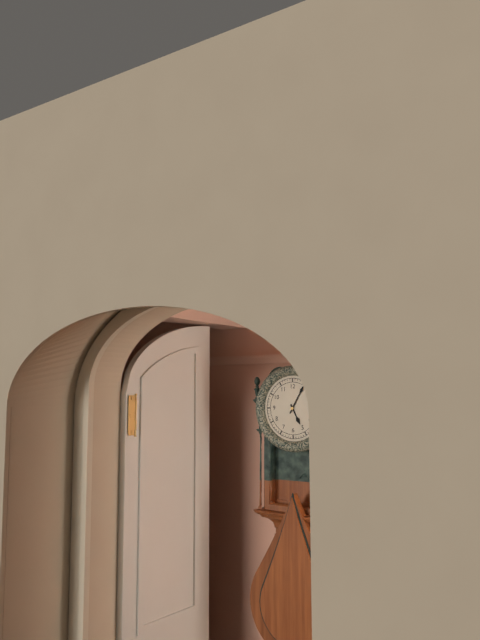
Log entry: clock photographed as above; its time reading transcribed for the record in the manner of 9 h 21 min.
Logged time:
5 h 05 min
